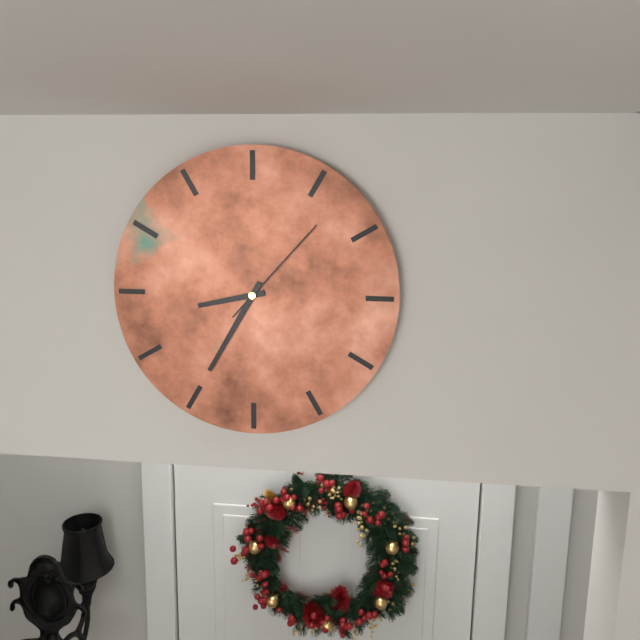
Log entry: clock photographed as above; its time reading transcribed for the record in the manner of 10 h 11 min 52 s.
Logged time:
8 h 35 min 07 s
